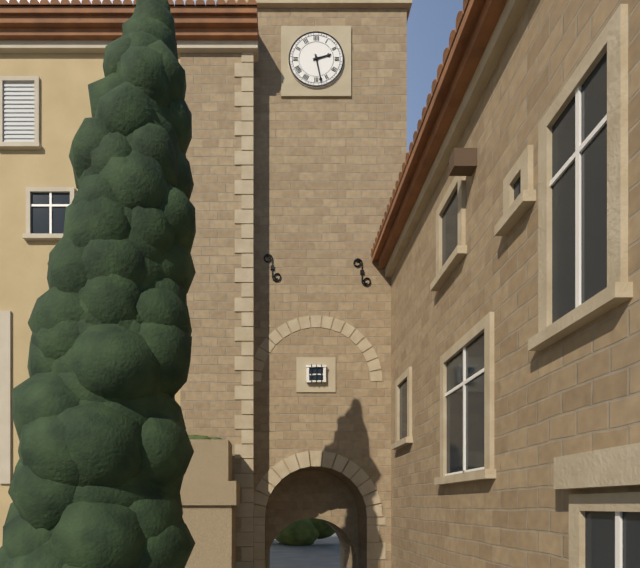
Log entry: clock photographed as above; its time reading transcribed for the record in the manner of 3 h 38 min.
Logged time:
2 h 28 min
